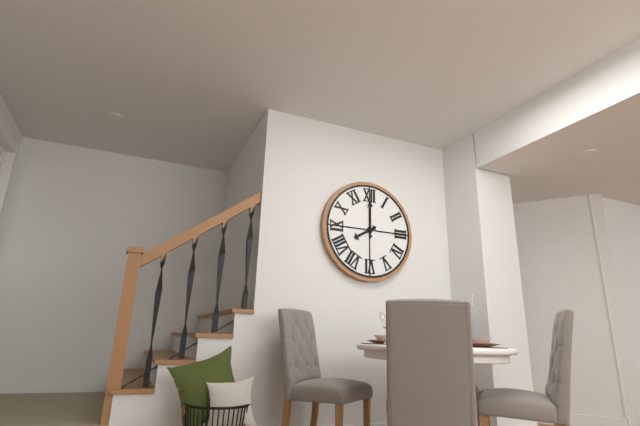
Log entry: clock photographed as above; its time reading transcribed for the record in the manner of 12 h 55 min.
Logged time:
8 h 00 min
